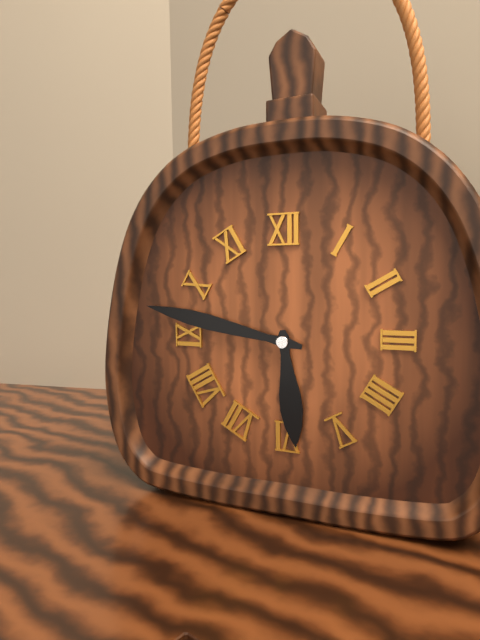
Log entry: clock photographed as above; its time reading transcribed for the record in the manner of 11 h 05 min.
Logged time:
5 h 47 min
